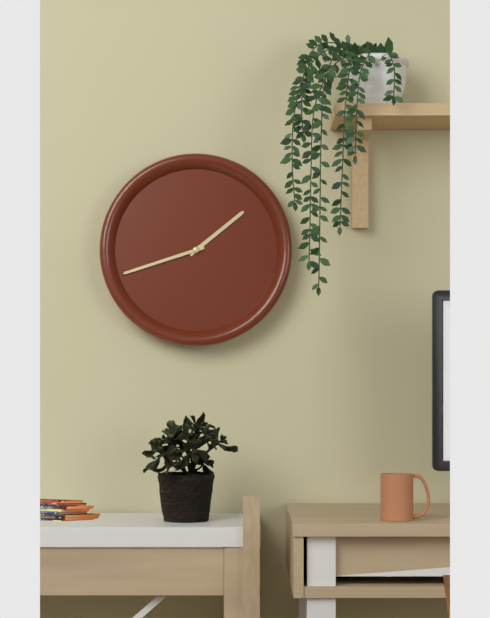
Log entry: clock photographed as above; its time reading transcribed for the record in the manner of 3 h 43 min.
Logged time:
1 h 42 min
